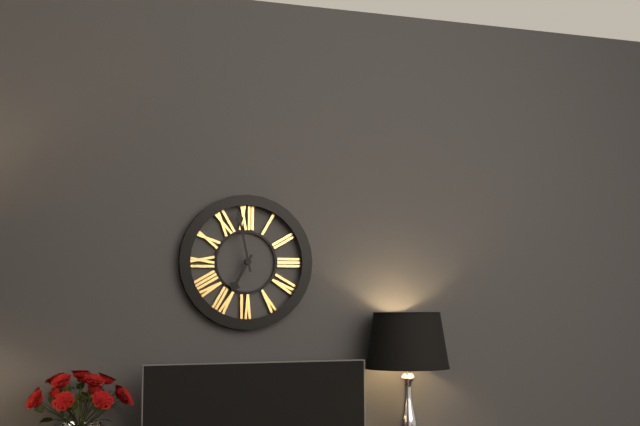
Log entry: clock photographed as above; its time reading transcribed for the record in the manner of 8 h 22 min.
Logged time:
6 h 58 min
